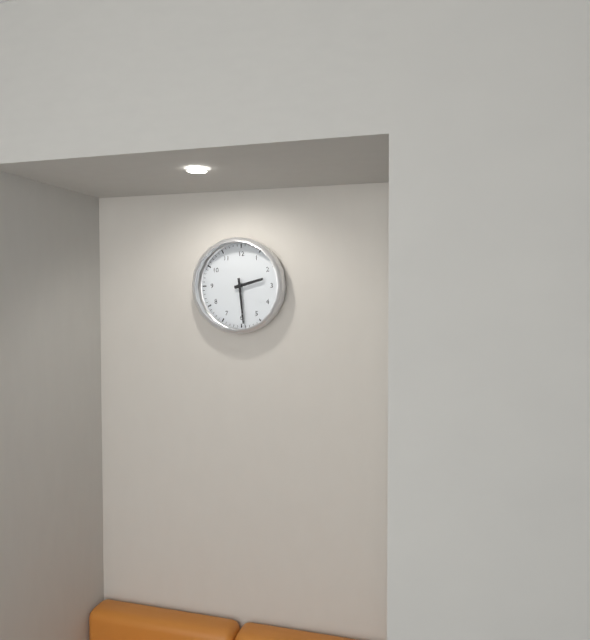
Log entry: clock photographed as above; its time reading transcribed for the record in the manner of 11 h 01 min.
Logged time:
2 h 29 min
